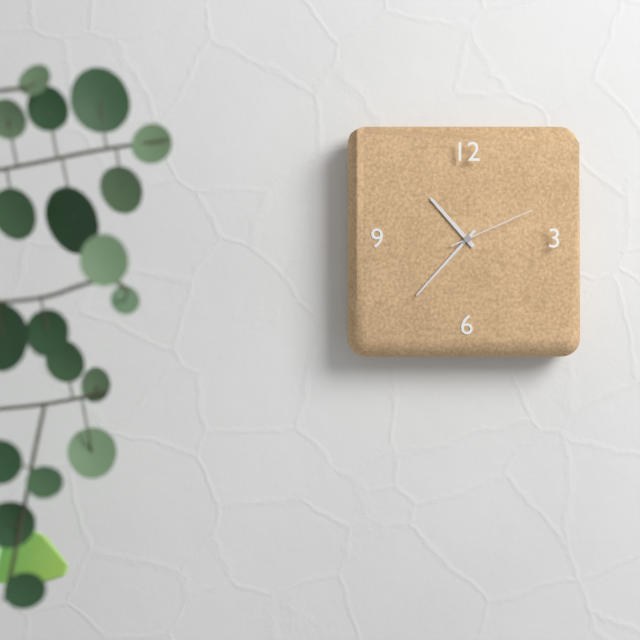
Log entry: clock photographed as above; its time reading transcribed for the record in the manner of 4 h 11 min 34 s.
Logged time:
10 h 37 min 11 s
